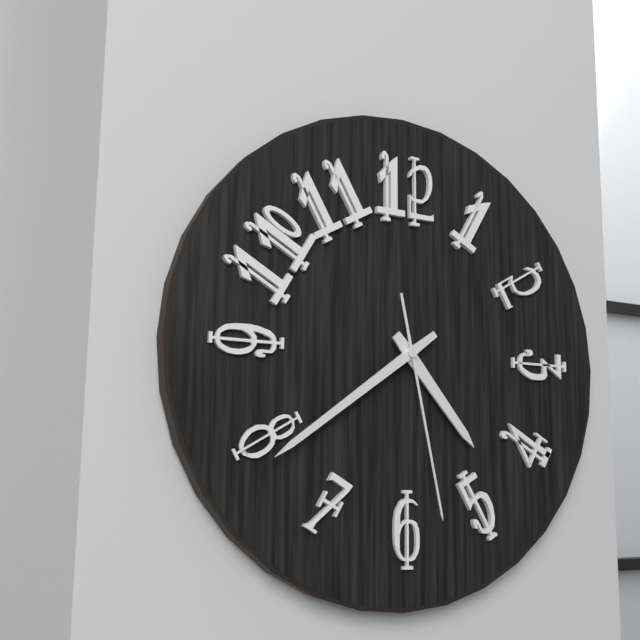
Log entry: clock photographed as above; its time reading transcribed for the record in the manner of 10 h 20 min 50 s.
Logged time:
4 h 39 min 28 s
